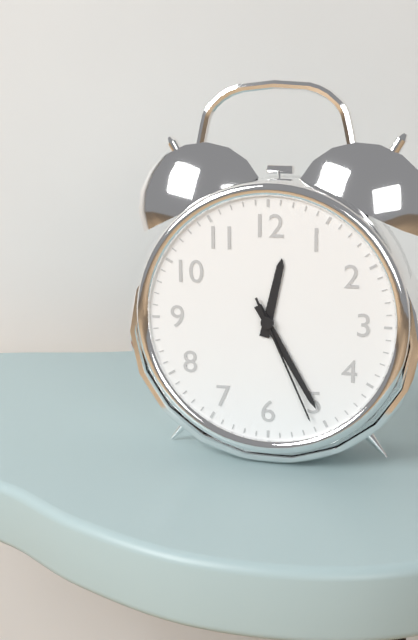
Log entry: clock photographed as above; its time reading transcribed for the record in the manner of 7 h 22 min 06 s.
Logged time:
12 h 25 min 26 s
